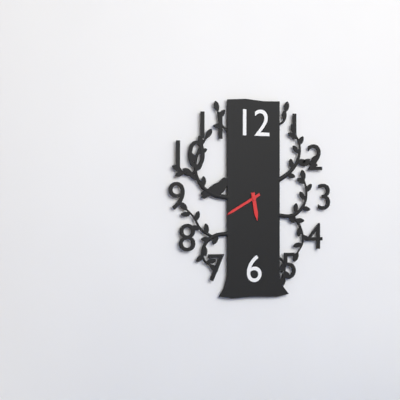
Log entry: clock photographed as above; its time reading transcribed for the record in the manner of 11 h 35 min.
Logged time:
5 h 40 min
